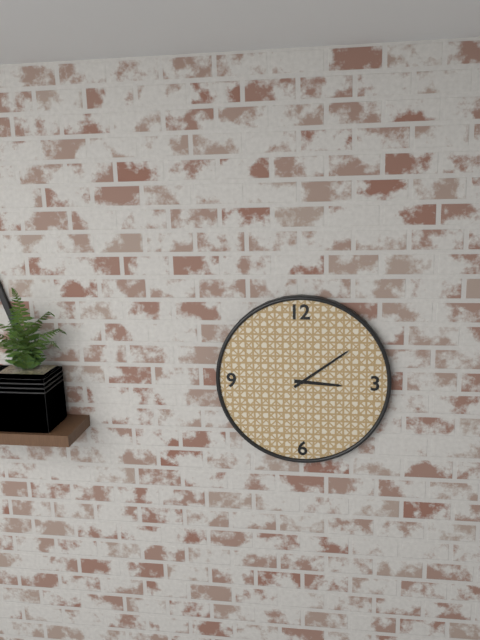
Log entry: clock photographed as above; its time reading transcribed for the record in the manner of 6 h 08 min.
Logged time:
3 h 09 min
